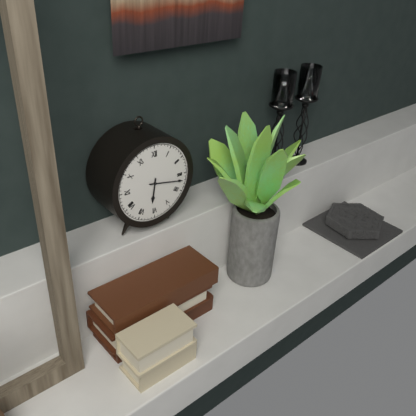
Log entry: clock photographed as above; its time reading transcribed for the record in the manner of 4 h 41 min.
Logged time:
6 h 17 min
